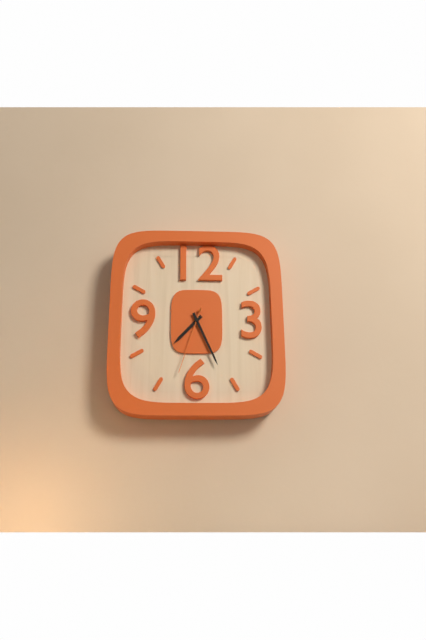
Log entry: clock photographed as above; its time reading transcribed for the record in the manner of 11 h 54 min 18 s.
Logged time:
7 h 26 min 33 s
